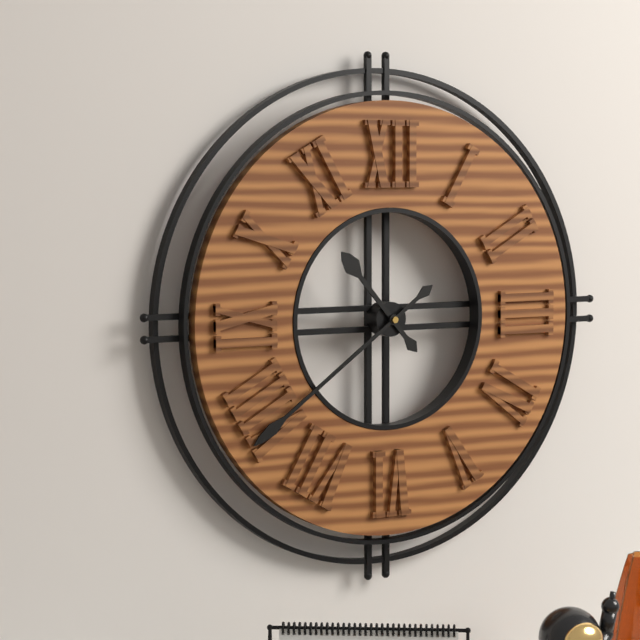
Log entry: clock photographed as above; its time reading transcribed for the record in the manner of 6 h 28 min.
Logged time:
10 h 39 min
